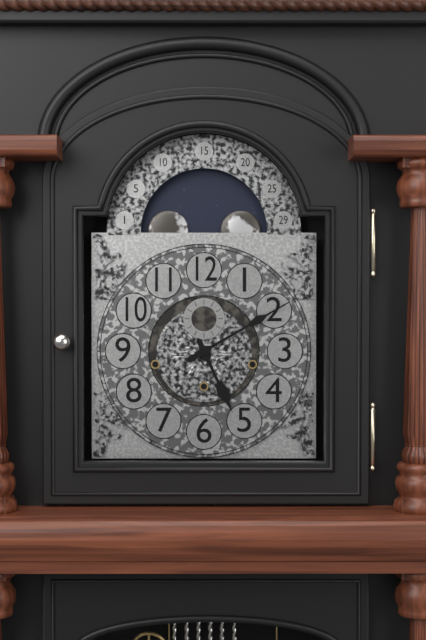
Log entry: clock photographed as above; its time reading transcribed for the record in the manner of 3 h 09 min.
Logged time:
5 h 10 min
